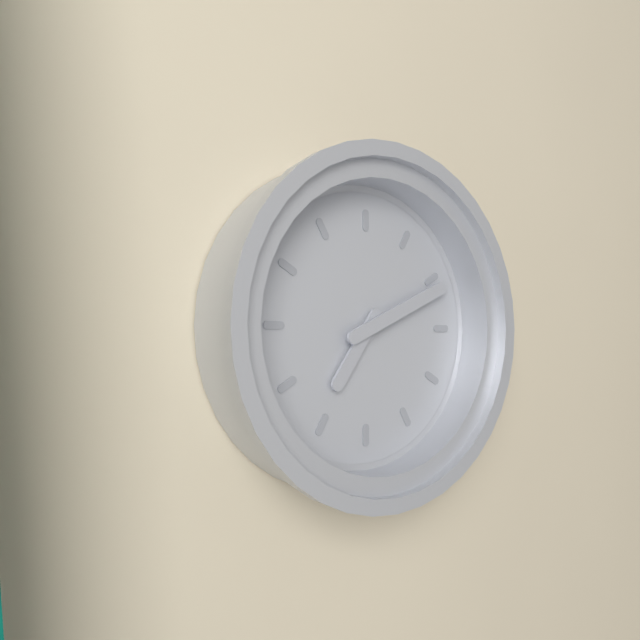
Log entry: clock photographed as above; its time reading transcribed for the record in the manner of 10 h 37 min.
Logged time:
7 h 11 min
